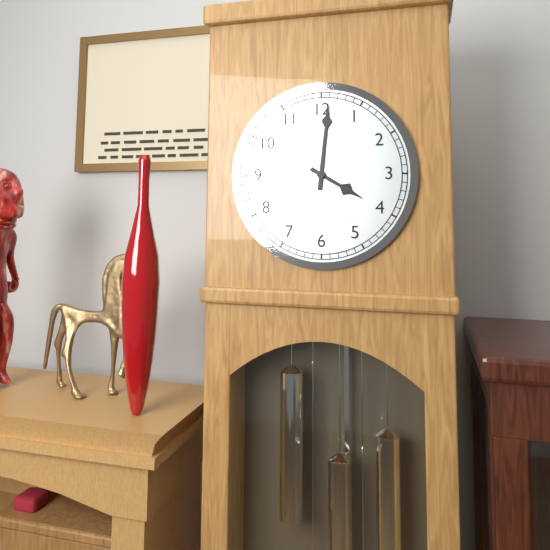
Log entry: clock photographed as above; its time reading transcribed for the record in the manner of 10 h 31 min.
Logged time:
4 h 01 min
